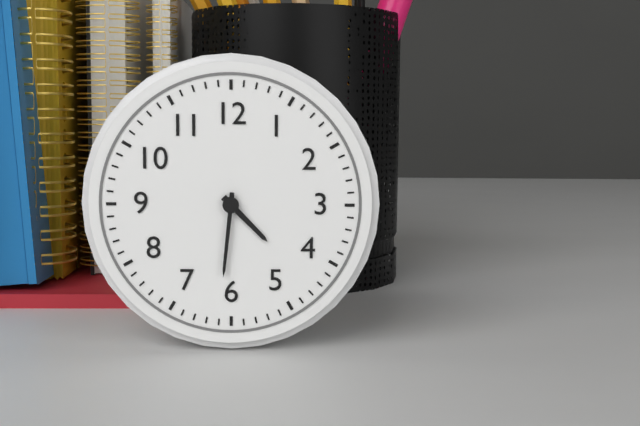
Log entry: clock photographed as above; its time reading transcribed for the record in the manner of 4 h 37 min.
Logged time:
4 h 31 min
